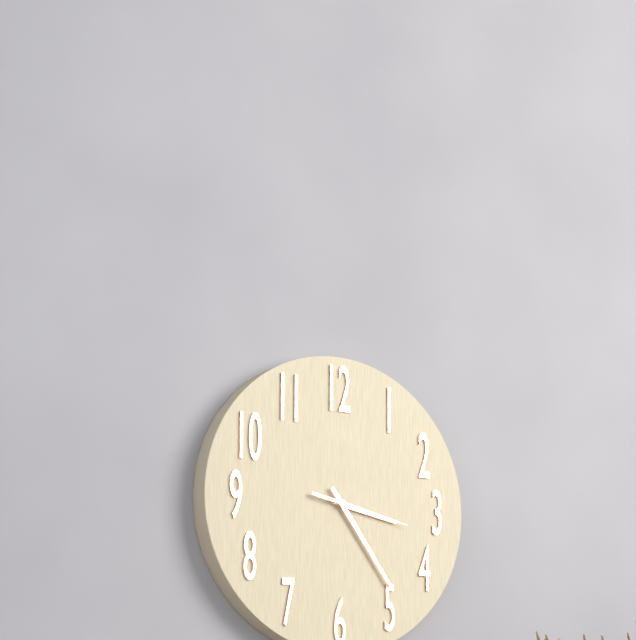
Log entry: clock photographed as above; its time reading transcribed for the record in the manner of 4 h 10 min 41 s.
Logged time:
3 h 24 min 17 s
